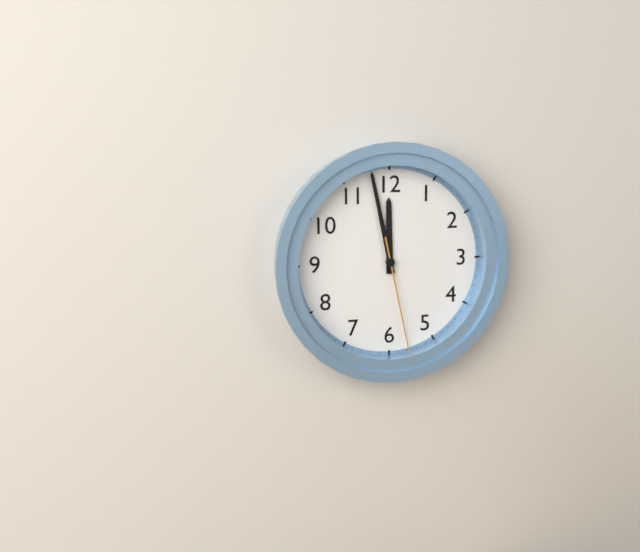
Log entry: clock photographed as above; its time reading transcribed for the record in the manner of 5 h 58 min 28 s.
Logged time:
11 h 58 min 28 s
